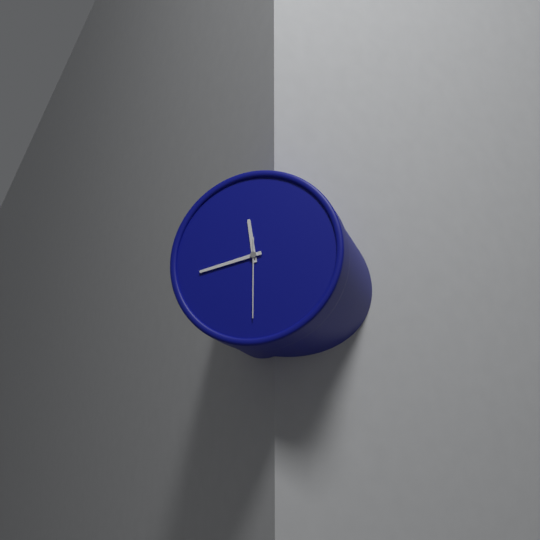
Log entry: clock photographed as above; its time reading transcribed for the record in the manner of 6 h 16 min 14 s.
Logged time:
11 h 43 min 30 s
